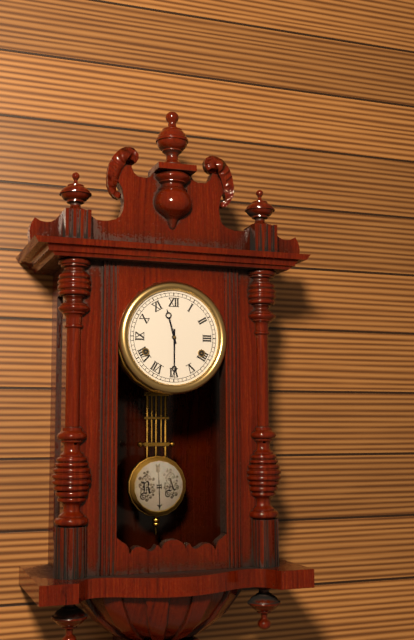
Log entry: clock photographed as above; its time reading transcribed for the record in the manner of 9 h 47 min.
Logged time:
11 h 30 min
